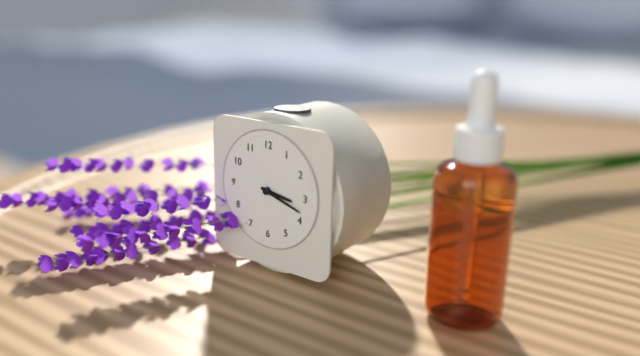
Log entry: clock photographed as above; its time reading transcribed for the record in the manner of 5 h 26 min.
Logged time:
3 h 18 min
